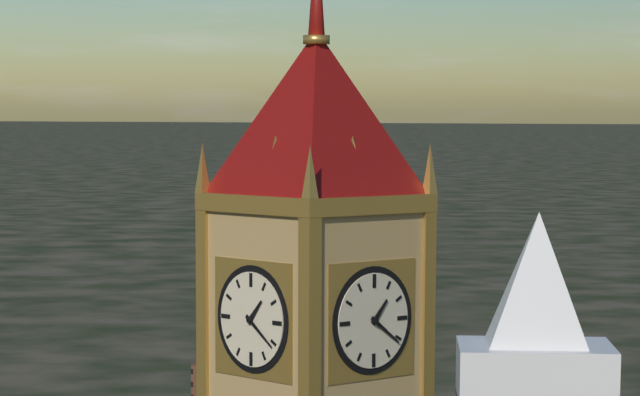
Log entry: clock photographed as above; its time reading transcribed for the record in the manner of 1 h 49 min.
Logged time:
1 h 21 min
